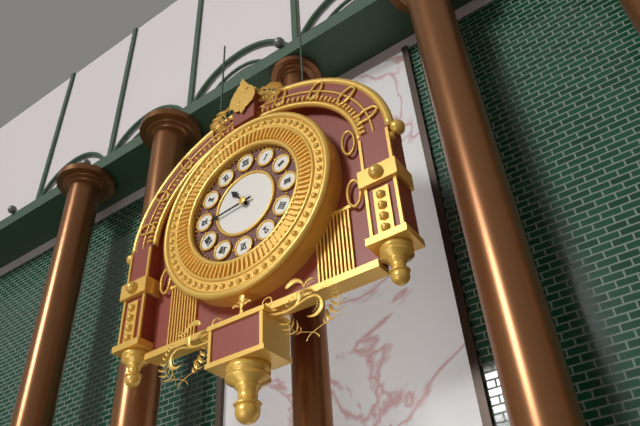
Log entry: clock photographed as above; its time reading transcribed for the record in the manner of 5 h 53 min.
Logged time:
10 h 44 min
